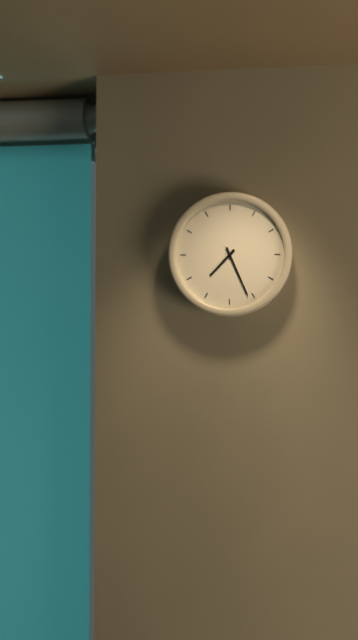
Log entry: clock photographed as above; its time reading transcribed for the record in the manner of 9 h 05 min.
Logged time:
7 h 26 min
